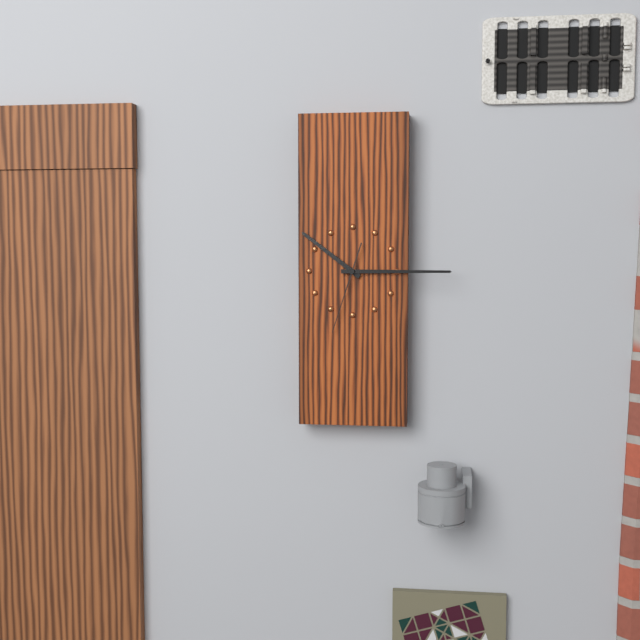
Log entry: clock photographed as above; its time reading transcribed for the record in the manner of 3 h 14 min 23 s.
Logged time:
10 h 15 min 33 s
